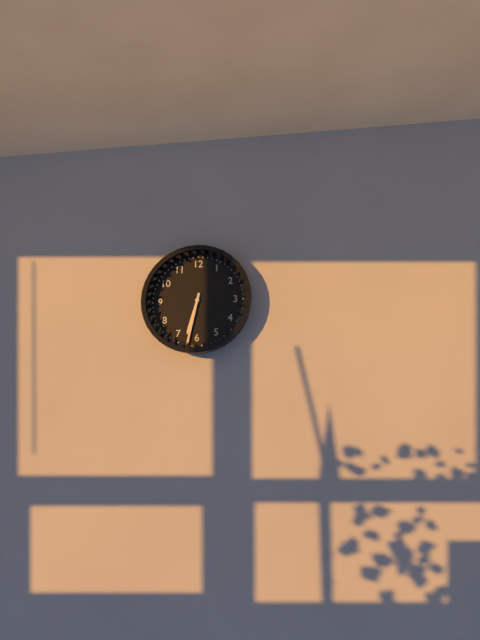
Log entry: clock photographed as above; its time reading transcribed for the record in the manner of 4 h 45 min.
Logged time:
6 h 32 min
